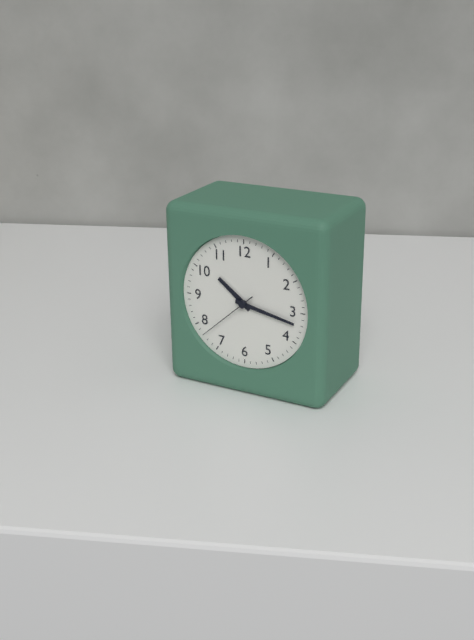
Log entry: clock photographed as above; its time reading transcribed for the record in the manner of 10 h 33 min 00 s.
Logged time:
10 h 17 min 38 s
